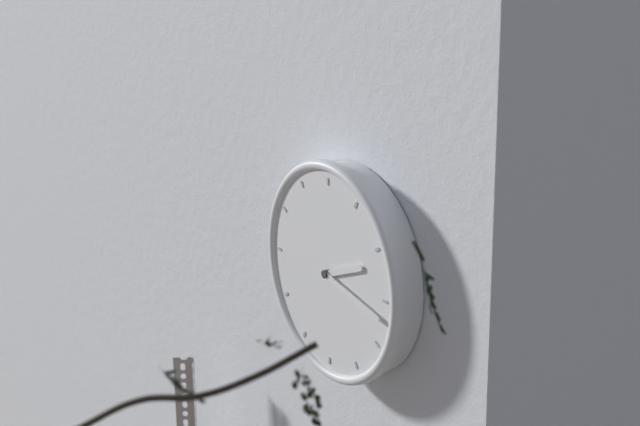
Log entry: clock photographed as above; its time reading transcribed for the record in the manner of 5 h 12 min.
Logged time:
2 h 17 min
